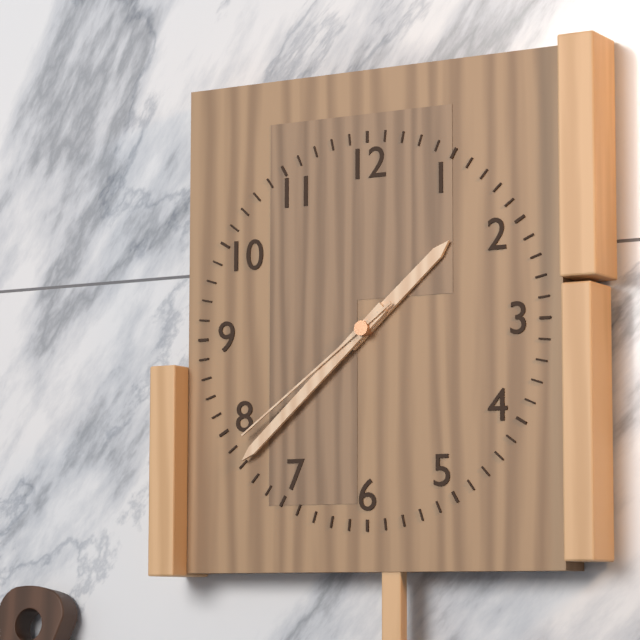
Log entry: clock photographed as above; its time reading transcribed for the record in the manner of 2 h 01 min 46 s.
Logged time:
1 h 38 min 39 s
